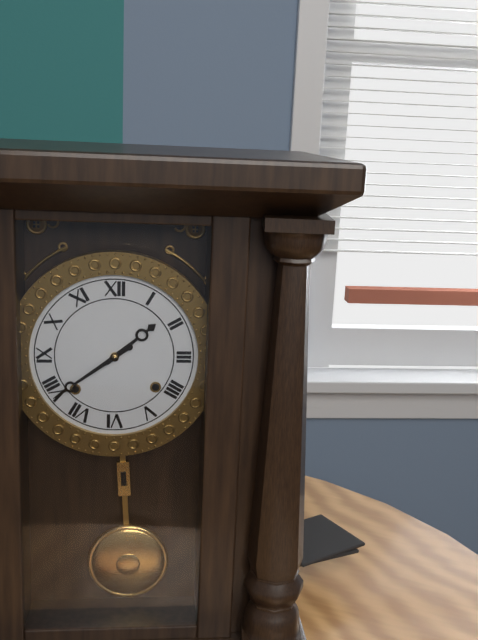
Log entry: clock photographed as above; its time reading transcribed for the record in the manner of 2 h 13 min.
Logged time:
1 h 39 min
